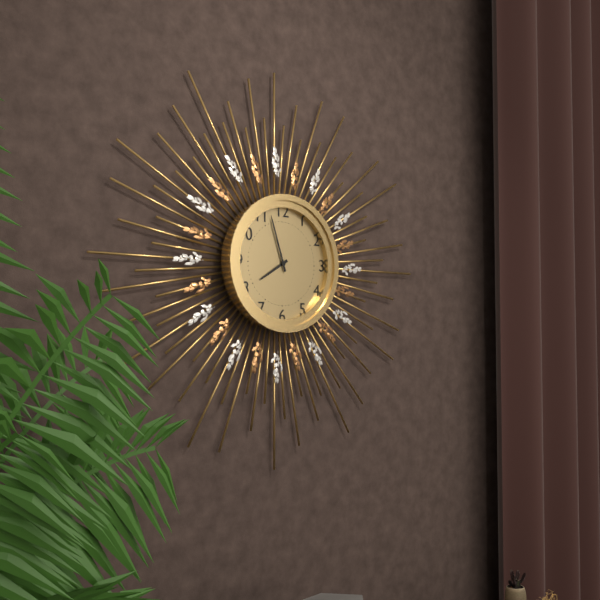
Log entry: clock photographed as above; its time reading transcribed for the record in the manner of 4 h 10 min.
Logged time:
7 h 57 min
